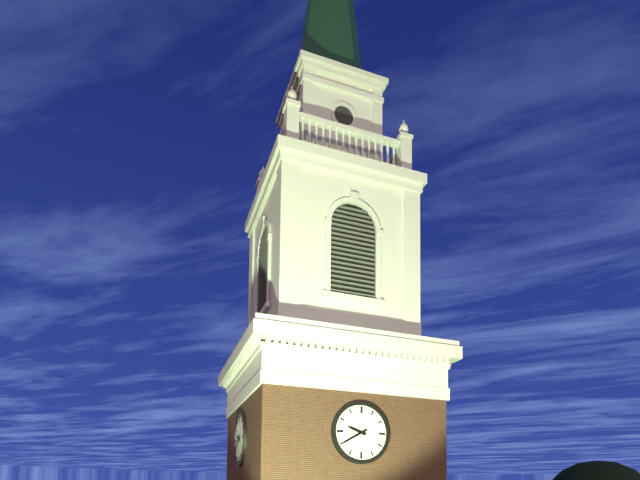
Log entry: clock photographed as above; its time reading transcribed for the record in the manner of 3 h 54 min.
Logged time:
9 h 40 min
